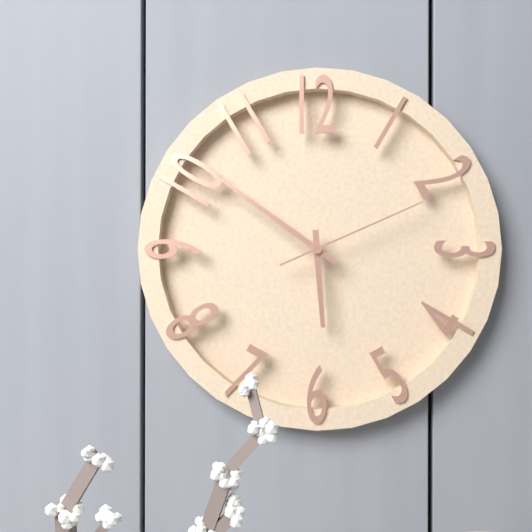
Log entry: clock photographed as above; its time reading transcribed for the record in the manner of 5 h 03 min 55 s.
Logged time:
5 h 51 min 11 s
